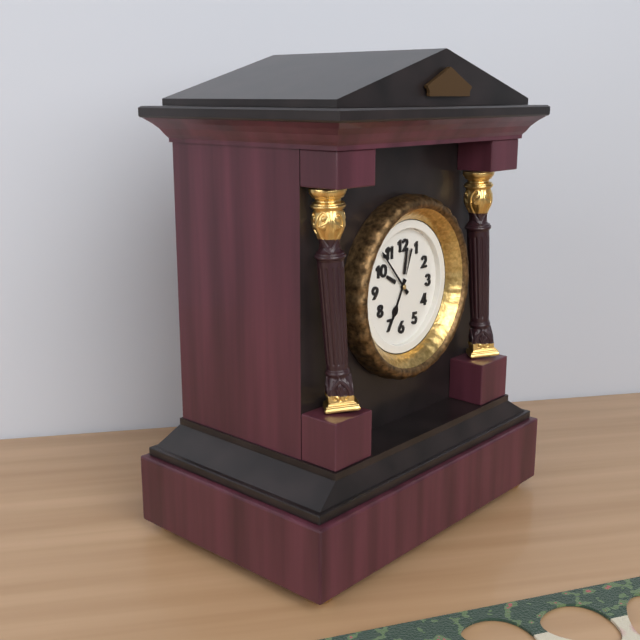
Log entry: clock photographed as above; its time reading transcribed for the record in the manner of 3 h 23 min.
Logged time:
6 h 53 min
